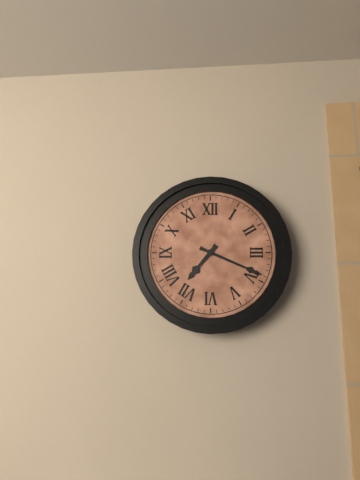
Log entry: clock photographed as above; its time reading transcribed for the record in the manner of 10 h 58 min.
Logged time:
7 h 19 min
